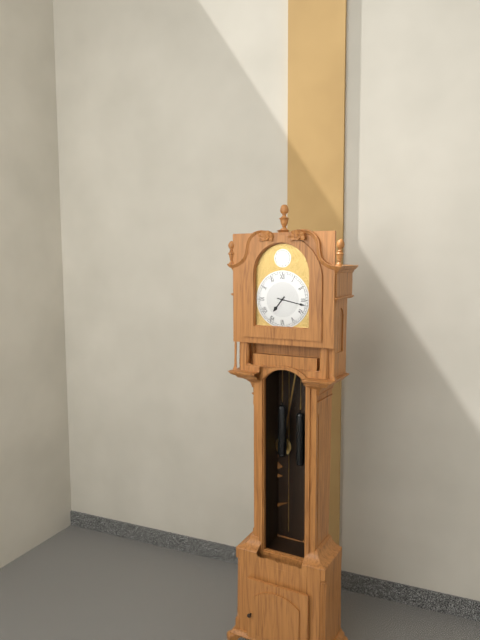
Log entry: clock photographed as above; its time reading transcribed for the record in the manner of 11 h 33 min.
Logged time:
7 h 17 min
